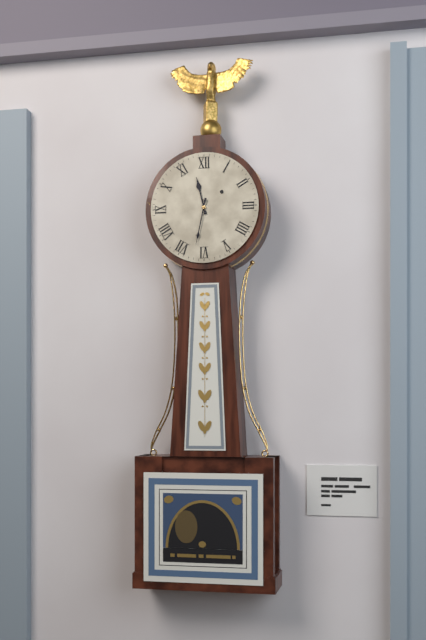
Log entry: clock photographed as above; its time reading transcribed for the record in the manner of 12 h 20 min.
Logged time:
11 h 32 min
